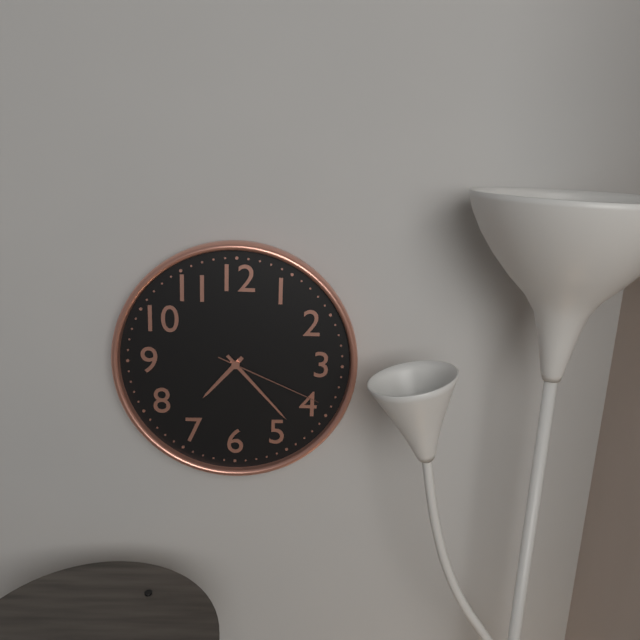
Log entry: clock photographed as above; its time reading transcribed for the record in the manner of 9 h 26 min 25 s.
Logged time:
7 h 23 min 19 s
